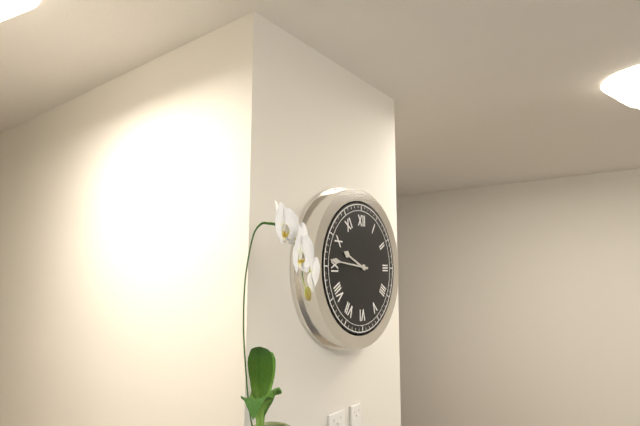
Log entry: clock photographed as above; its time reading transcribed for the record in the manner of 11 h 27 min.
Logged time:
9 h 46 min
